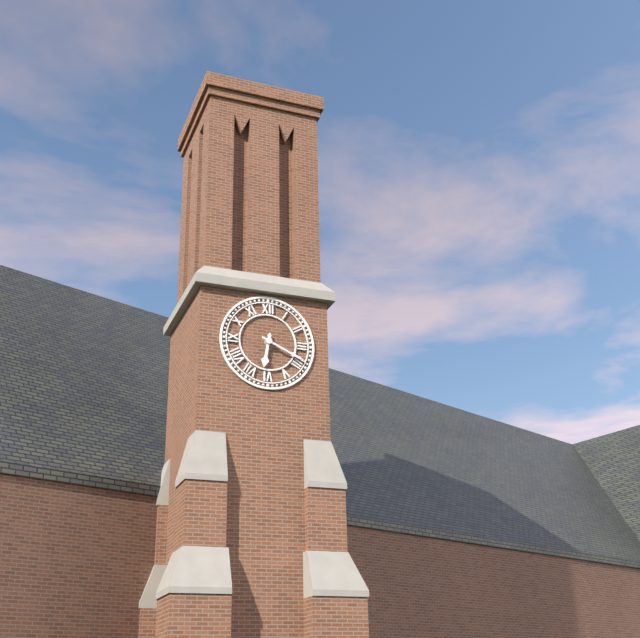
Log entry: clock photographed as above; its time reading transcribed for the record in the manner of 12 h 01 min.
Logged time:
6 h 19 min
